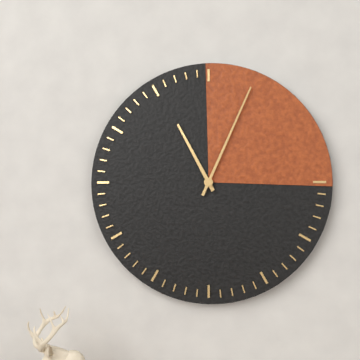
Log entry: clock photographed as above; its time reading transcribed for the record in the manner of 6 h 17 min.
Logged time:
11 h 04 min
